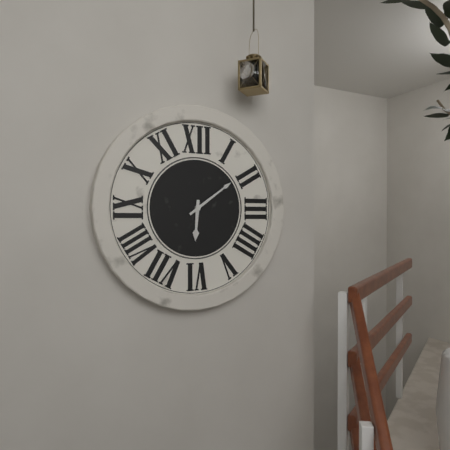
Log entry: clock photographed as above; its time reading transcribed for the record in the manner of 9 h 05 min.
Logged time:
6 h 09 min
